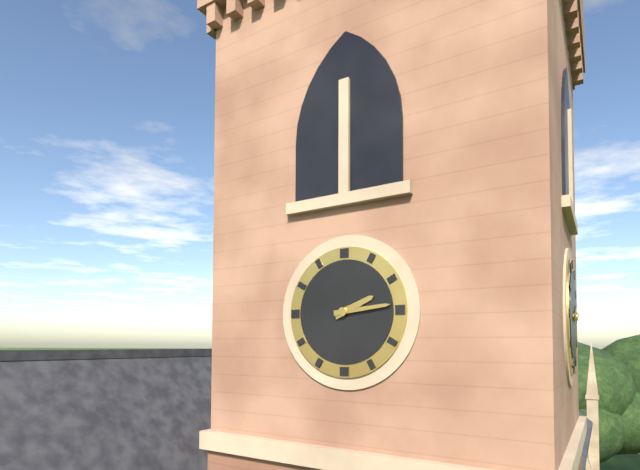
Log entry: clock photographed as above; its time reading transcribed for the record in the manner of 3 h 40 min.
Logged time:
2 h 14 min
